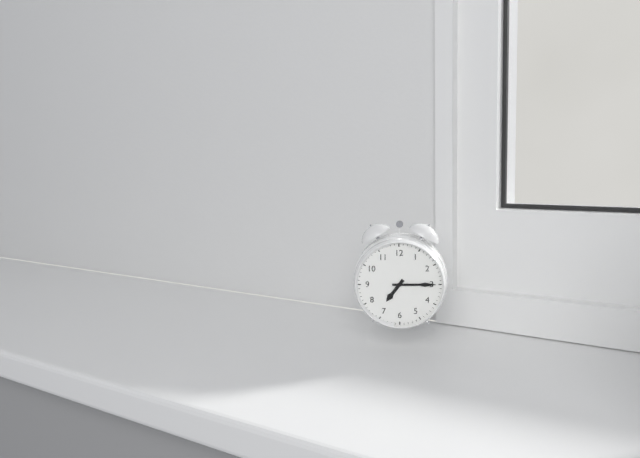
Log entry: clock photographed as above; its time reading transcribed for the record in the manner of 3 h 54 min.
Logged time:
7 h 15 min
